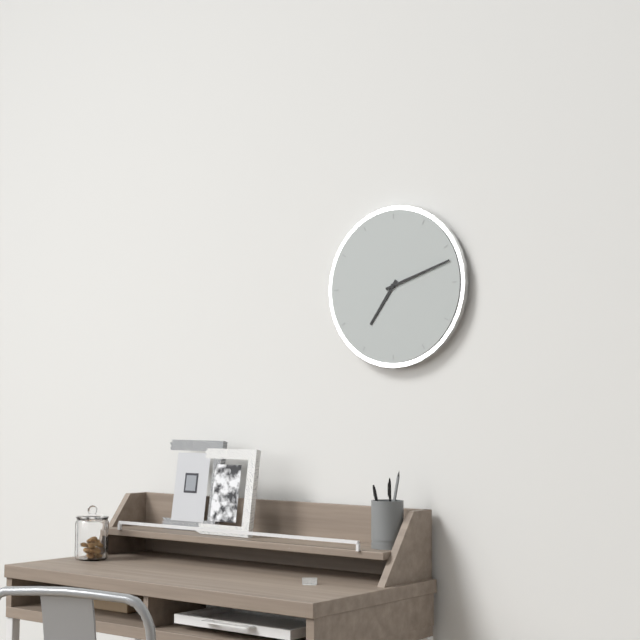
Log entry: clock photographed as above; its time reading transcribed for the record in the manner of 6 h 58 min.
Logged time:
7 h 12 min
